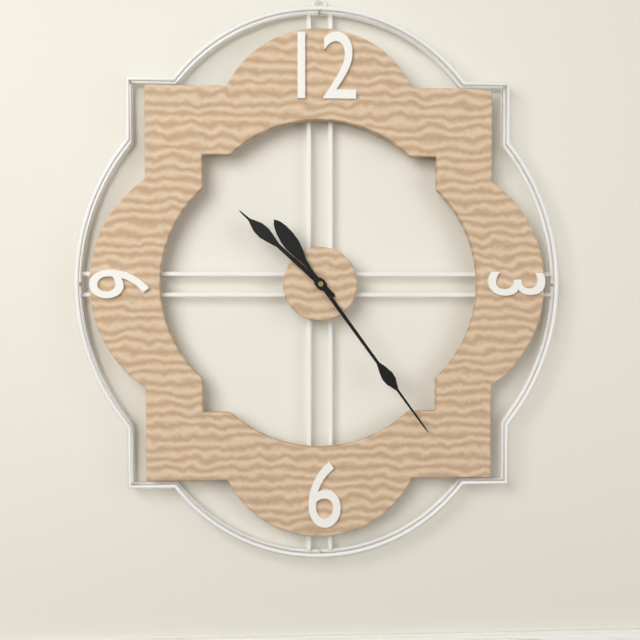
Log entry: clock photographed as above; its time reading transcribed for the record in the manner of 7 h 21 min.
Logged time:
10 h 24 min
